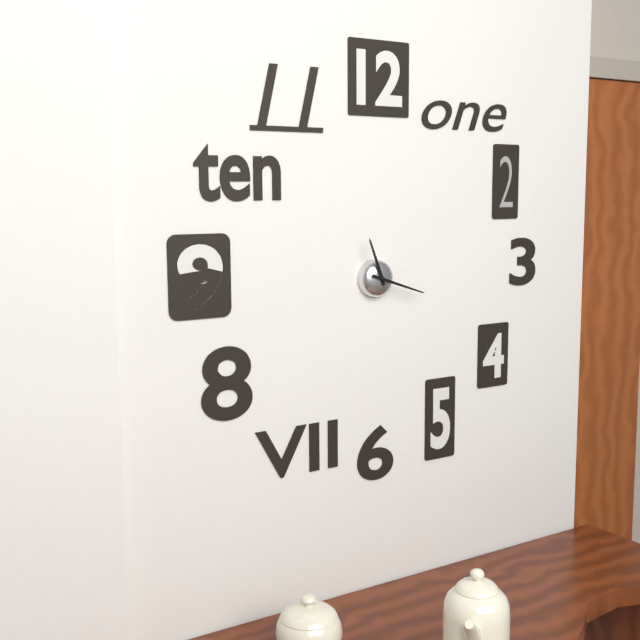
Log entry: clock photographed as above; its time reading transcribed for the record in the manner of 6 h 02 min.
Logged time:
11 h 18 min
